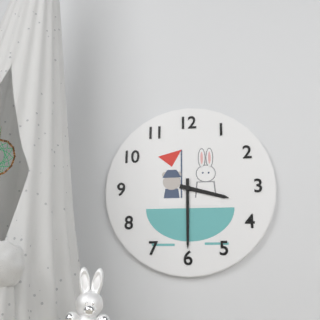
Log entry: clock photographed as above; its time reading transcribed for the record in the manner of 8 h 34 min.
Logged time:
3 h 30 min
